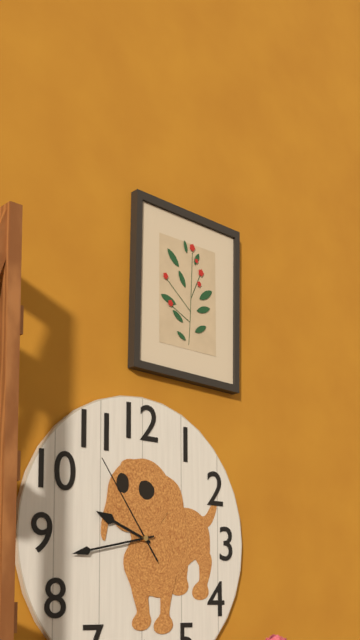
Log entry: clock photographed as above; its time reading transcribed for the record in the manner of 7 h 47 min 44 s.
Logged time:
9 h 43 min 54 s
